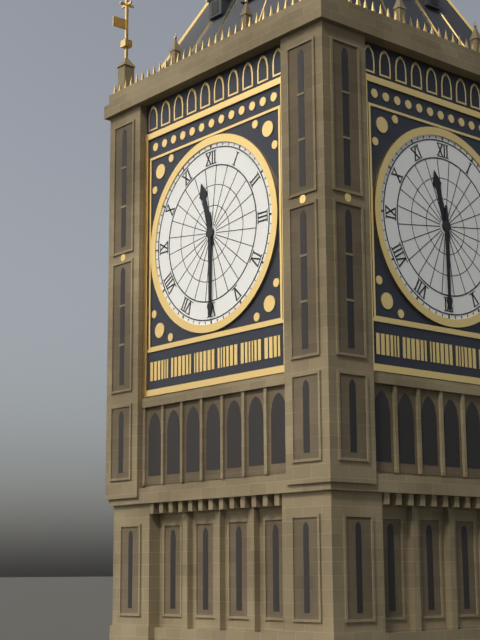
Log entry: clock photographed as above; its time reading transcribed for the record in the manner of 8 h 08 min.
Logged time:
11 h 30 min
